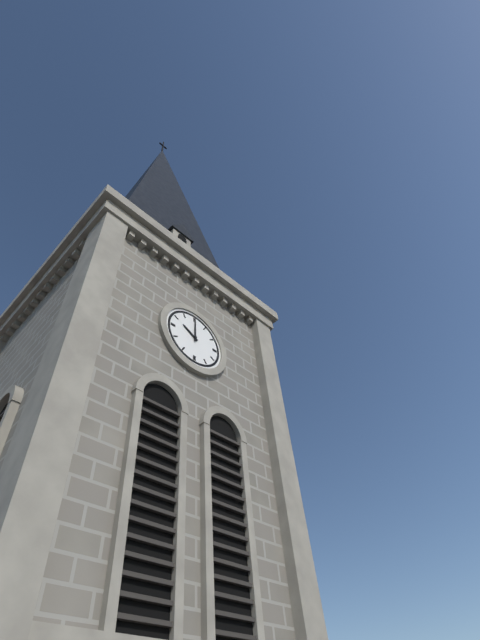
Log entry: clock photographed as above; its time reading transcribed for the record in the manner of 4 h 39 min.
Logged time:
10 h 00 min
